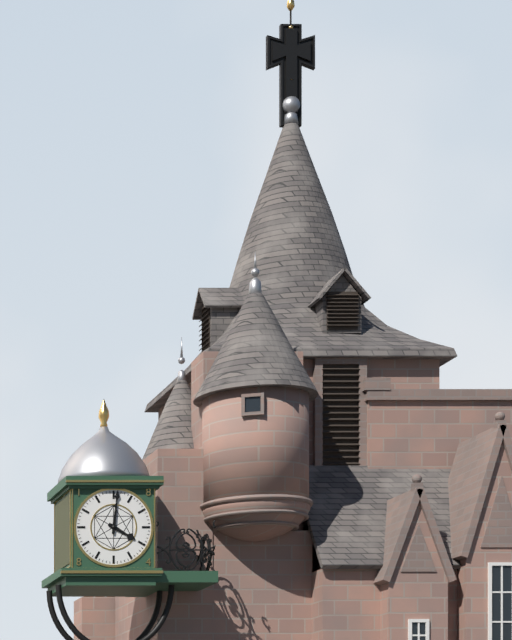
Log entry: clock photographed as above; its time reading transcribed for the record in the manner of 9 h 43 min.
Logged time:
4 h 01 min
